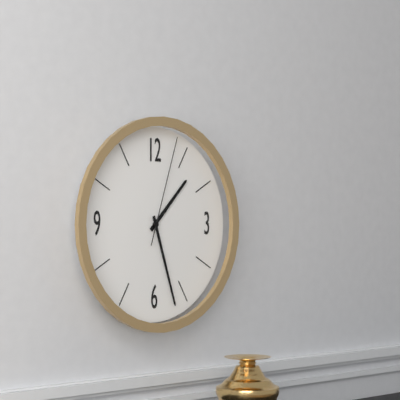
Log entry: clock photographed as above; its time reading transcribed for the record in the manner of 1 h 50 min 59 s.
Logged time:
1 h 27 min 03 s
